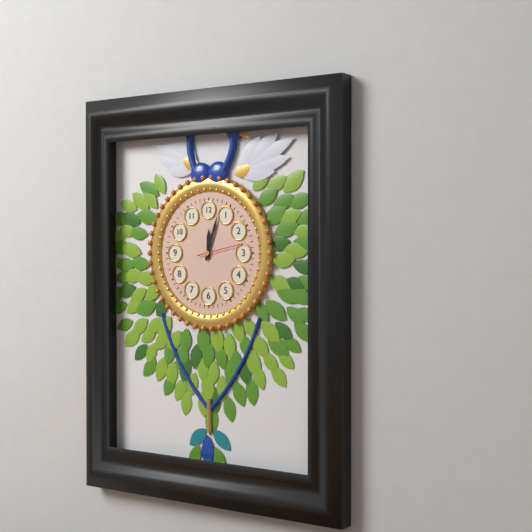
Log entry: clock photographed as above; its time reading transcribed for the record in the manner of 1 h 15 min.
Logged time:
12 h 03 min
